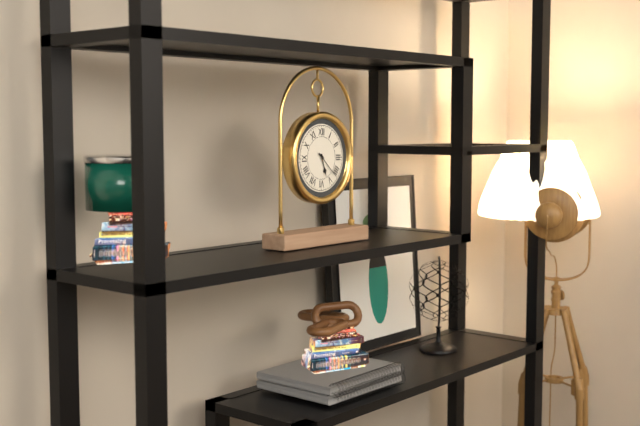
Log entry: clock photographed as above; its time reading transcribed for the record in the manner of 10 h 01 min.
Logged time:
5 h 22 min
